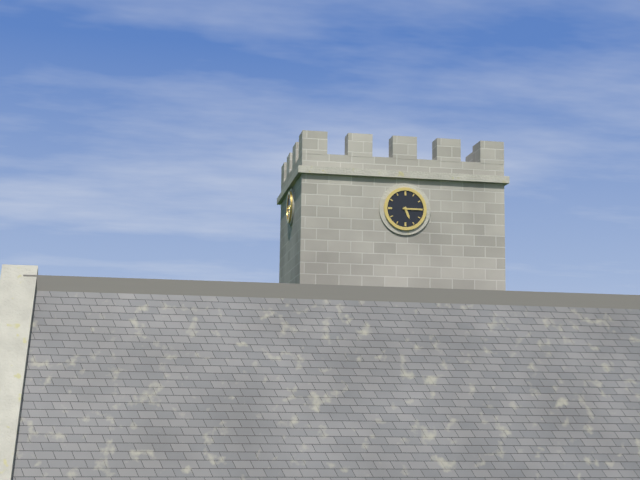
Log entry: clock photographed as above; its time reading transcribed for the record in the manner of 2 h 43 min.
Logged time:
5 h 15 min
